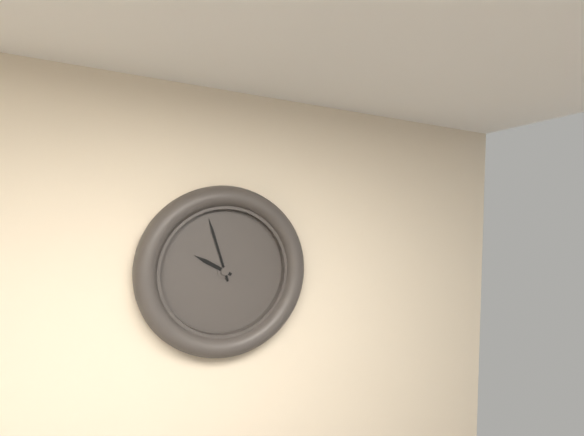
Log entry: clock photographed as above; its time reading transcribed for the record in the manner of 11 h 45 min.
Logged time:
9 h 57 min
